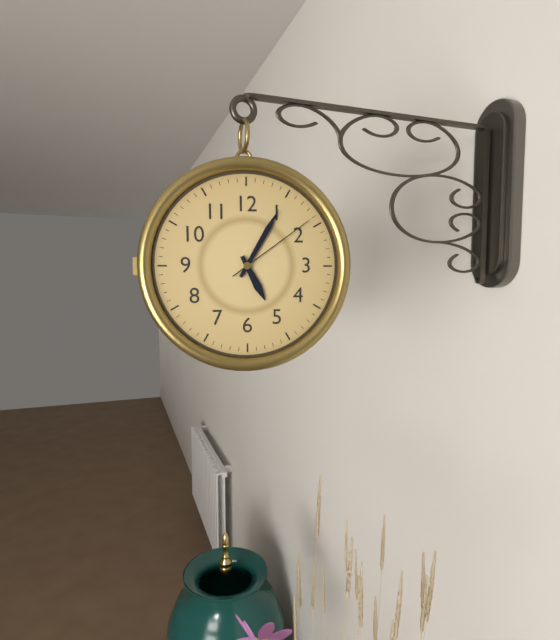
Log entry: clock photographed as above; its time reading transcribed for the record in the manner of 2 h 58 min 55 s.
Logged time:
5 h 05 min 09 s
